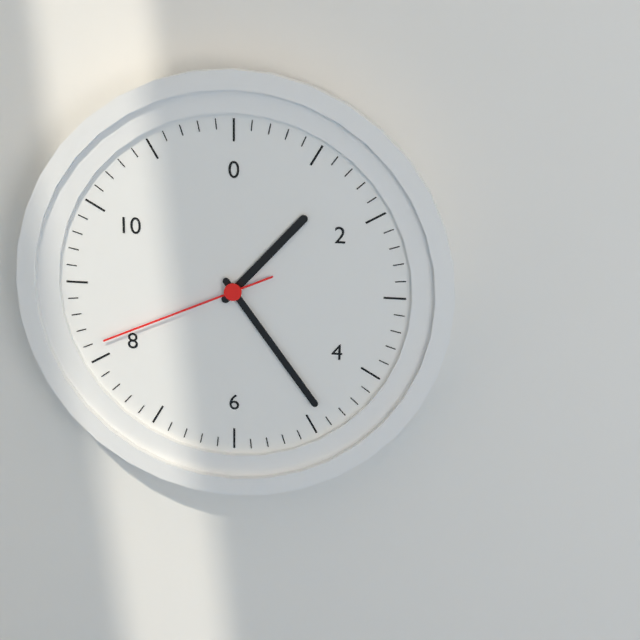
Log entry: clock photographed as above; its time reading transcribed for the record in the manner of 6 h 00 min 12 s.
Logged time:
1 h 24 min 41 s
